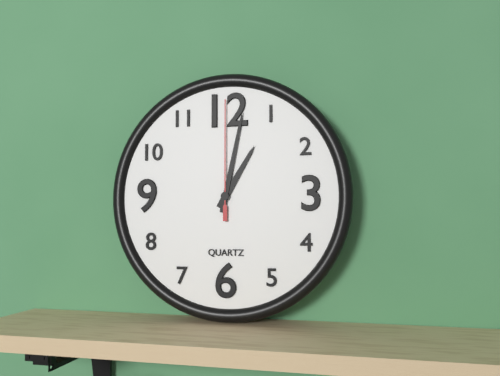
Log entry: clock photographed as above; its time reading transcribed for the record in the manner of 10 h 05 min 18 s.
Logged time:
1 h 02 min 00 s
